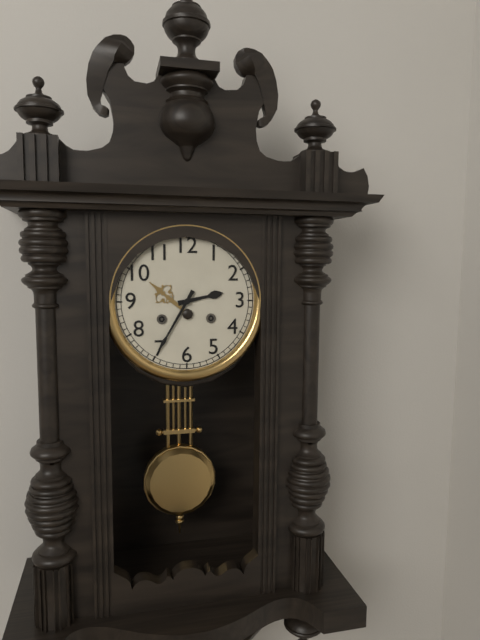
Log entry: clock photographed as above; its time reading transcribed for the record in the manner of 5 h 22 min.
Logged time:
2 h 35 min
